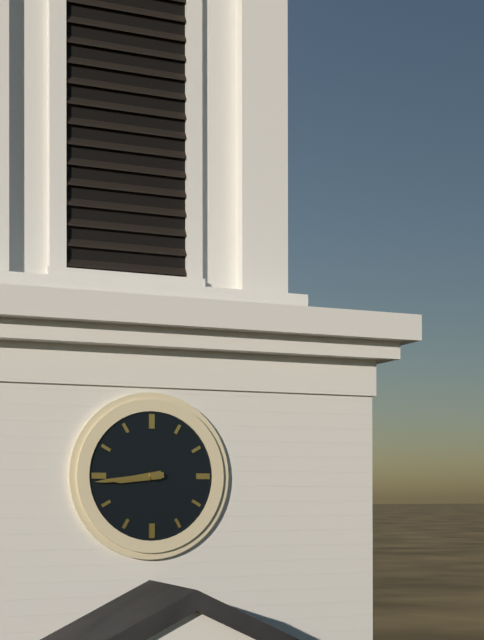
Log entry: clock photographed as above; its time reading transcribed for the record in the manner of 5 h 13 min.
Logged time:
8 h 44 min
